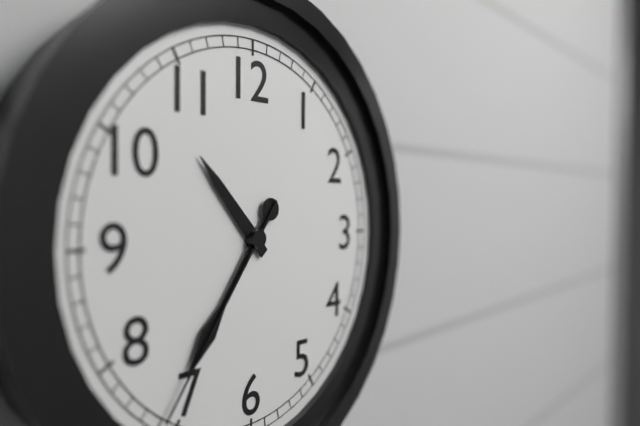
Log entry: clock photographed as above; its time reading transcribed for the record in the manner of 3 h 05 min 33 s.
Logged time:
10 h 36 min 36 s
